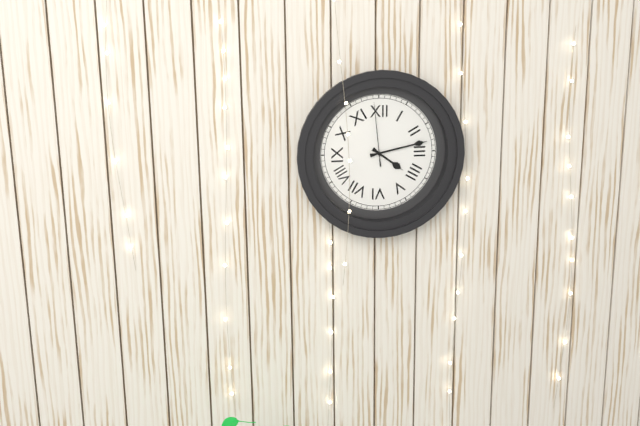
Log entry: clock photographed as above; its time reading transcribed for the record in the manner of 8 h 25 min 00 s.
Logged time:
4 h 13 min 59 s
